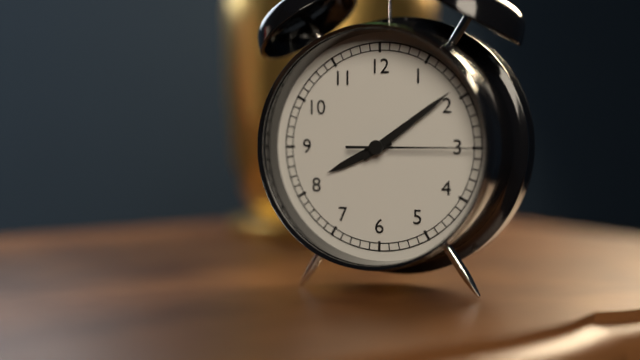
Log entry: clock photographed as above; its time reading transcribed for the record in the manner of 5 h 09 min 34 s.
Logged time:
8 h 09 min 15 s
